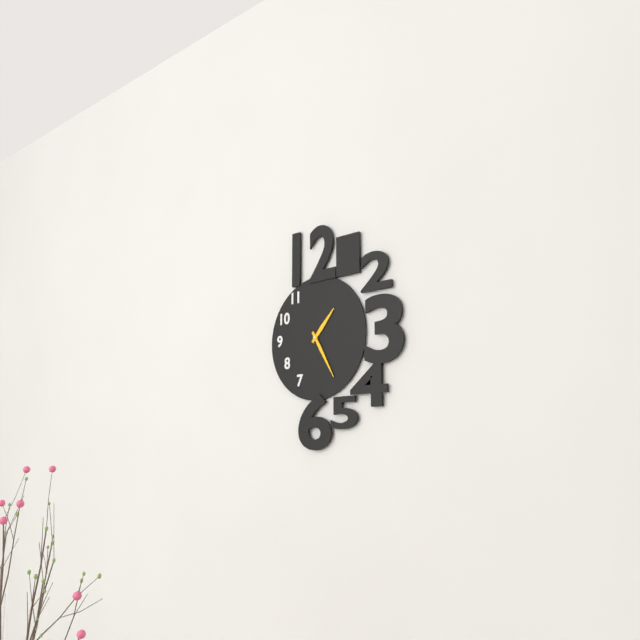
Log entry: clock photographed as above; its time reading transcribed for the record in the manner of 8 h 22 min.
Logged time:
1 h 25 min
